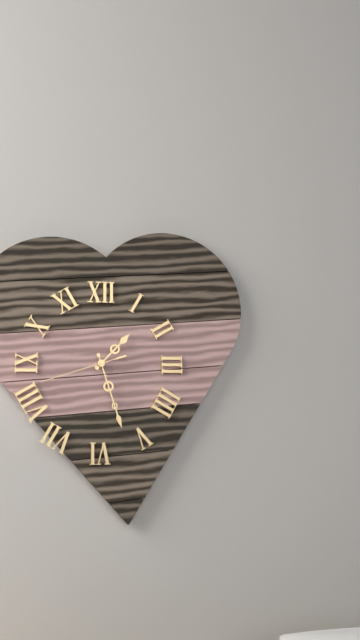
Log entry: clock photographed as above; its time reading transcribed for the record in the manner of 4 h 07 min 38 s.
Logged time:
1 h 27 min 42 s
